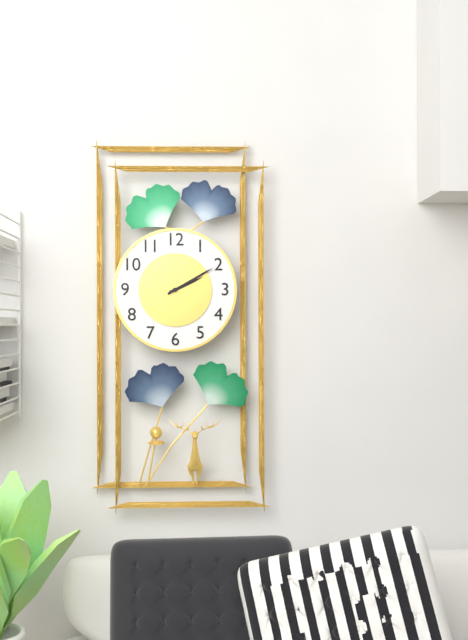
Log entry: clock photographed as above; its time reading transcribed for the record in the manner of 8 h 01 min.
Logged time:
2 h 10 min
